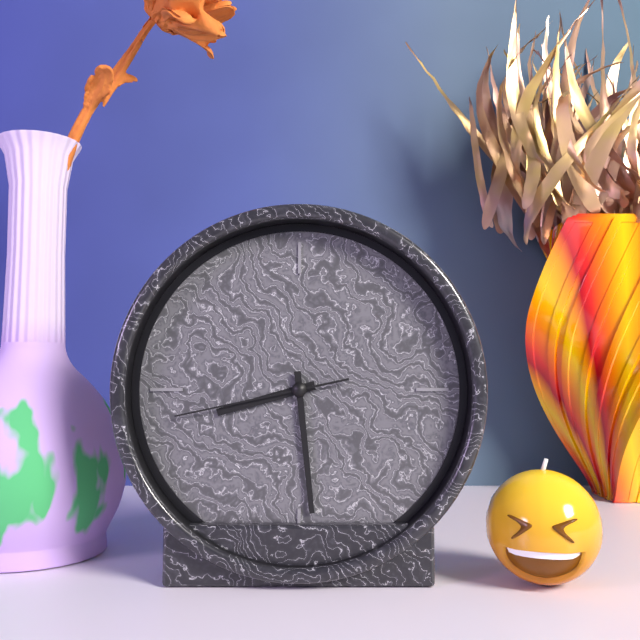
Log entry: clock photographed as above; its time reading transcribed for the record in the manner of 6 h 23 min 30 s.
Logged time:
8 h 29 min 43 s
